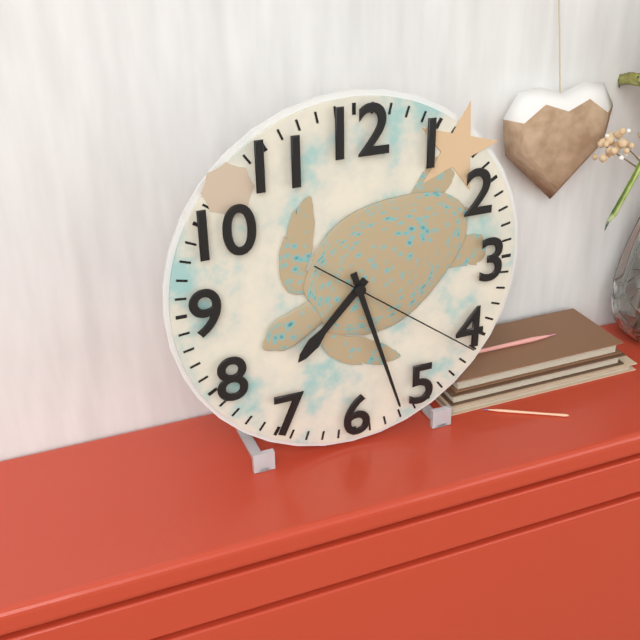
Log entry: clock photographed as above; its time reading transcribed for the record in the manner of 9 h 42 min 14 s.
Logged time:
7 h 27 min 21 s
